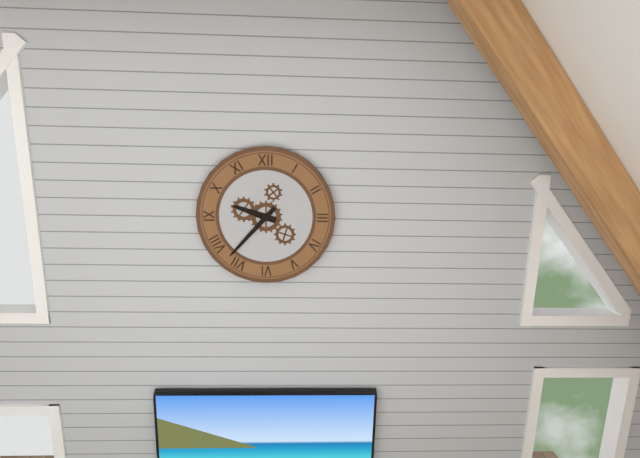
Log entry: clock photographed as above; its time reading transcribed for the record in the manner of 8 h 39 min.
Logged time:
9 h 37 min
